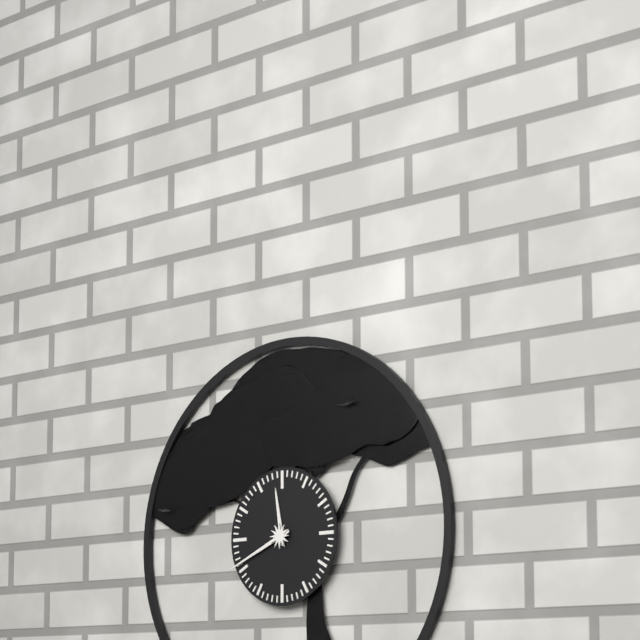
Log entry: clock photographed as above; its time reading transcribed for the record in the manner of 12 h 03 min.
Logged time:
11 h 41 min
